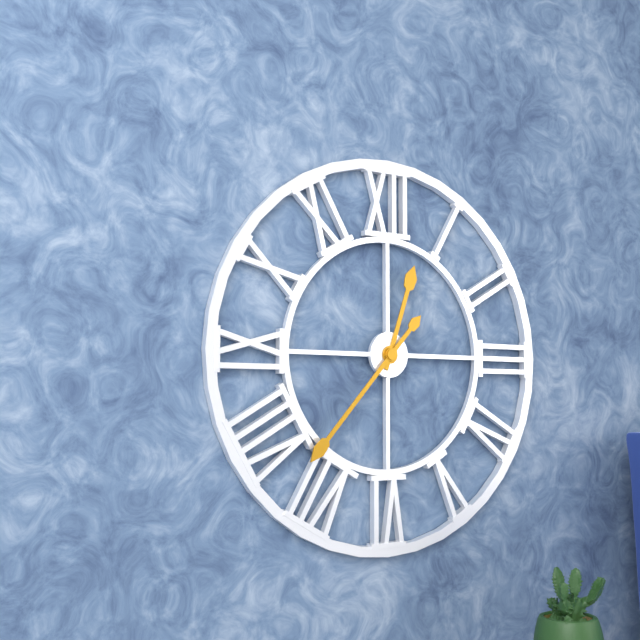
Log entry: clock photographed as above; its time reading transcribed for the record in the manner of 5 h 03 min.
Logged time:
12 h 37 min
